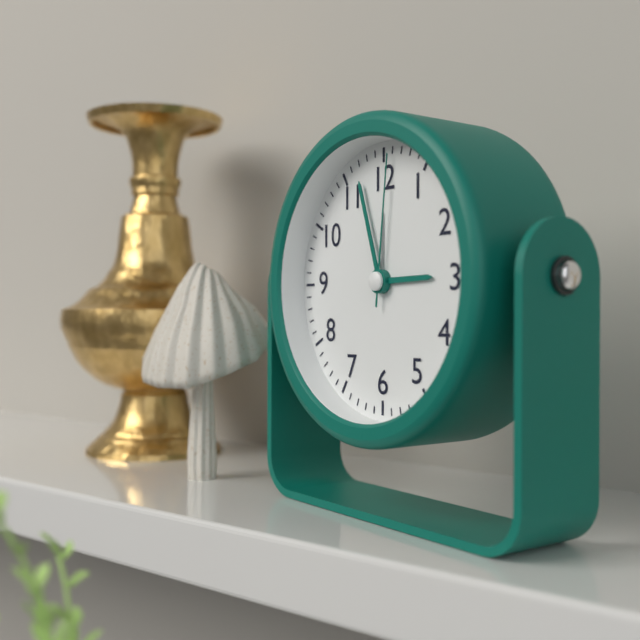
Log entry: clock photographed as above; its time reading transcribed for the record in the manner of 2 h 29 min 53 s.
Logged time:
2 h 57 min 01 s
